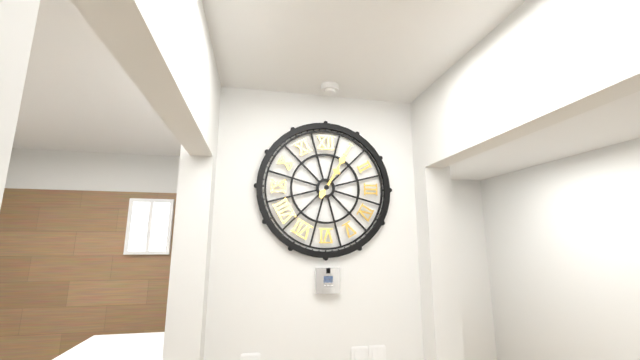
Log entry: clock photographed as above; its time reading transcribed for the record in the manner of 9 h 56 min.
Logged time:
1 h 05 min
